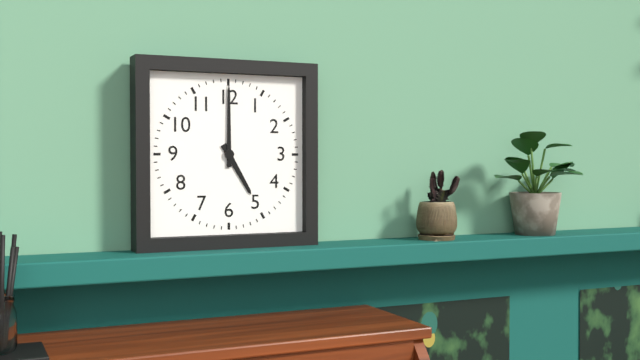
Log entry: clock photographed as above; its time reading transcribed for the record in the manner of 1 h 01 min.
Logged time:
5 h 00 min
